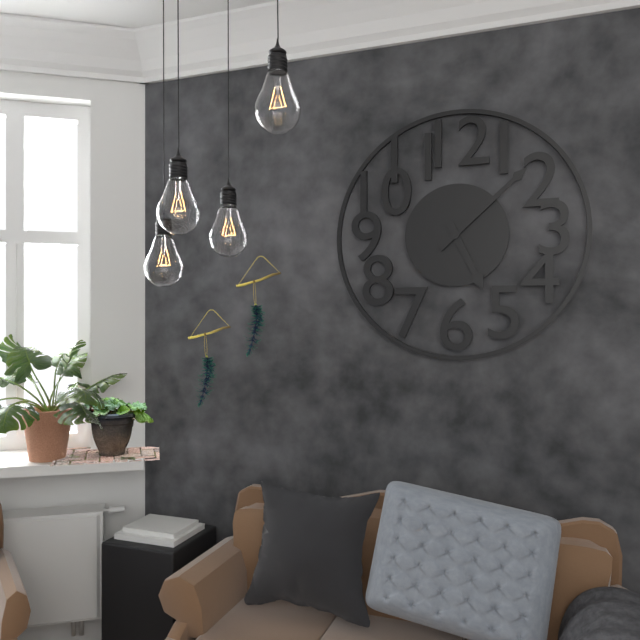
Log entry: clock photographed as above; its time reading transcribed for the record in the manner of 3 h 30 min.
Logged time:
5 h 08 min
